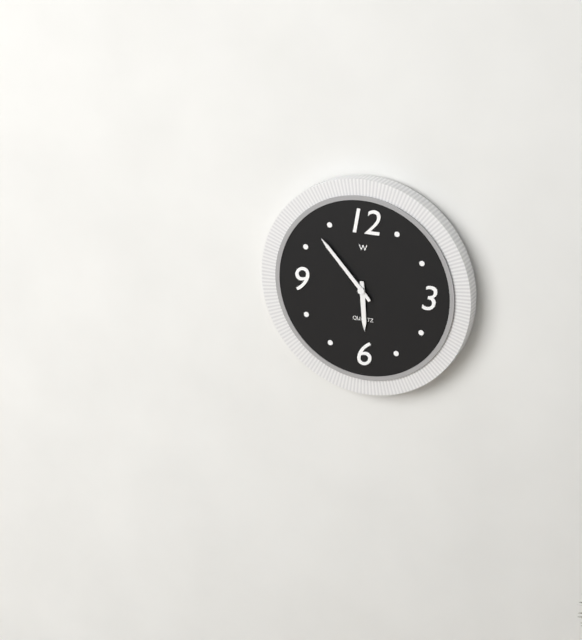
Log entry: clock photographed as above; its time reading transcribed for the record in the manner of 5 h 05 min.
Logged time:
5 h 53 min
